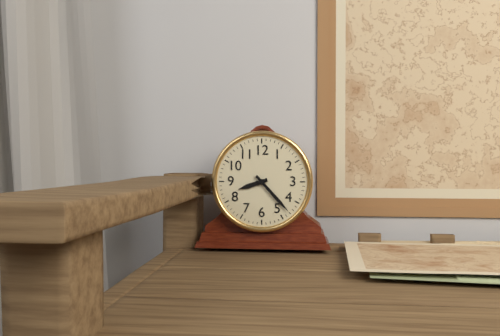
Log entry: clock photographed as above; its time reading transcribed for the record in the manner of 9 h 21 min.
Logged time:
8 h 23 min
